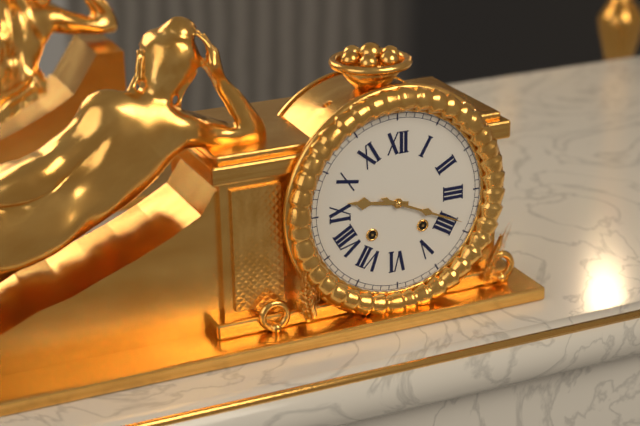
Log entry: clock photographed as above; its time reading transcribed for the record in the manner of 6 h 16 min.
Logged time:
9 h 19 min
